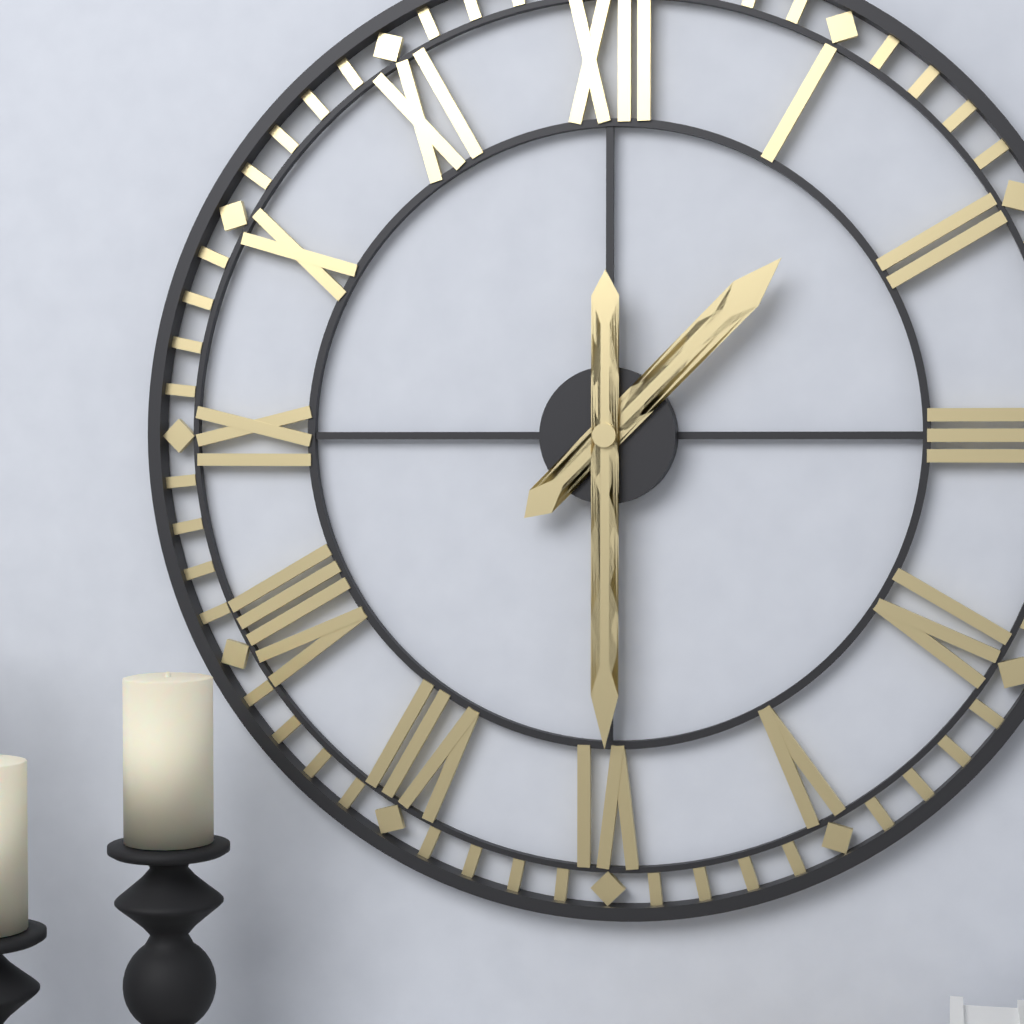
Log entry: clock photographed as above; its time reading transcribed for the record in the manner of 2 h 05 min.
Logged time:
1 h 30 min
